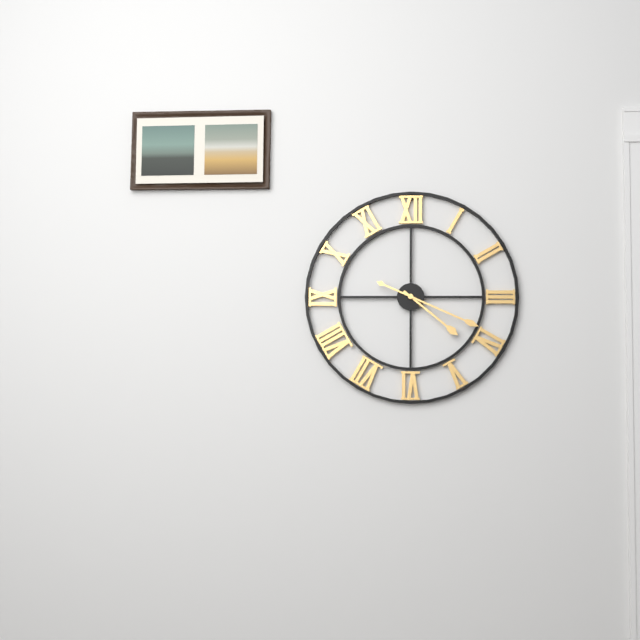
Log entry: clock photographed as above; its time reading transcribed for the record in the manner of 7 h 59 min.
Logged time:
4 h 19 min
